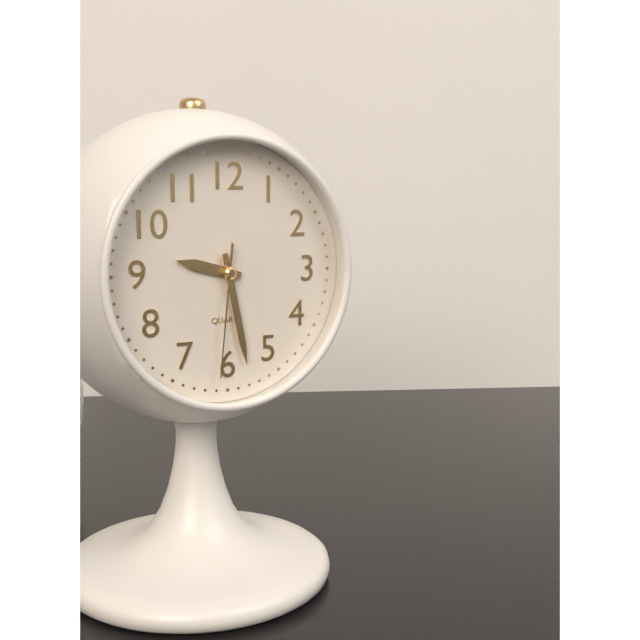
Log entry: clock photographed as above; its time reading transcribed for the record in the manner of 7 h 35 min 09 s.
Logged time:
9 h 28 min 31 s
